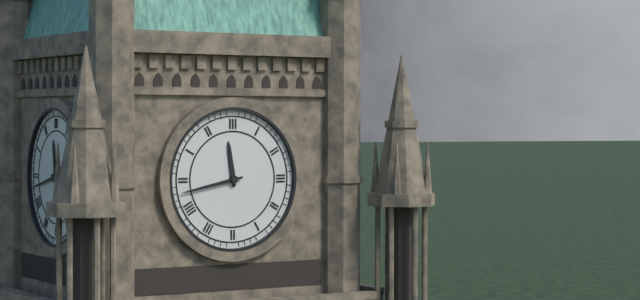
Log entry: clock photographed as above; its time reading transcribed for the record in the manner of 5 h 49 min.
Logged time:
11 h 43 min
